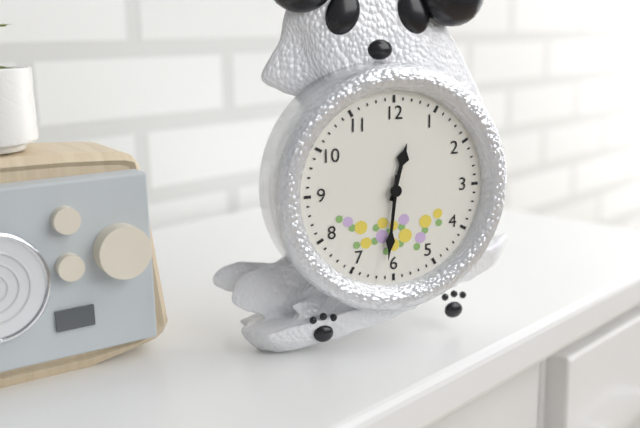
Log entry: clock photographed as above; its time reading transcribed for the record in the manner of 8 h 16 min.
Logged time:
12 h 31 min
